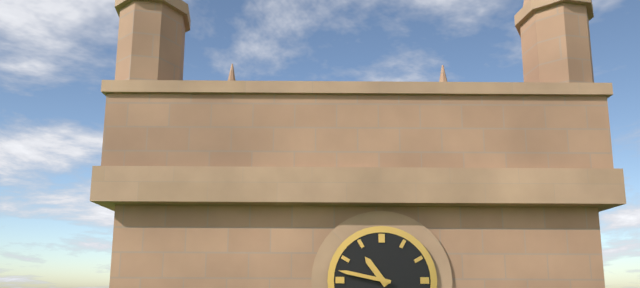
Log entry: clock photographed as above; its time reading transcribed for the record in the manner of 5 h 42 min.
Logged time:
10 h 47 min
